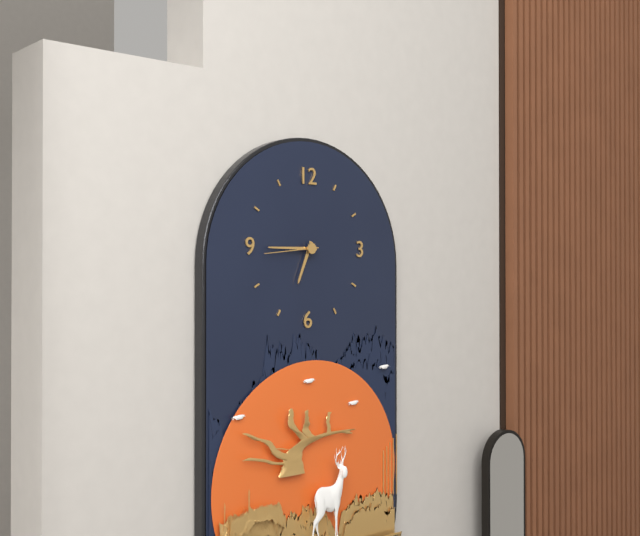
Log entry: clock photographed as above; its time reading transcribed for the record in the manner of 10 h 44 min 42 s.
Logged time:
6 h 45 min 44 s
